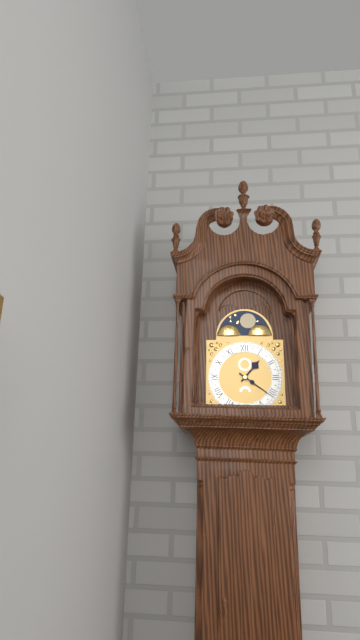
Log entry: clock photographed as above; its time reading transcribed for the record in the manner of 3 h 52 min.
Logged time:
1 h 21 min
